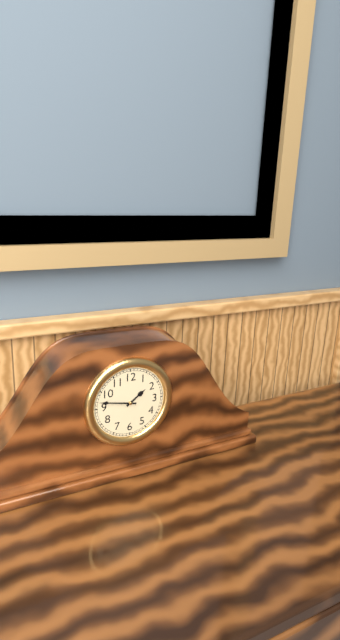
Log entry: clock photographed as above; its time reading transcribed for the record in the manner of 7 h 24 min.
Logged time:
1 h 47 min
